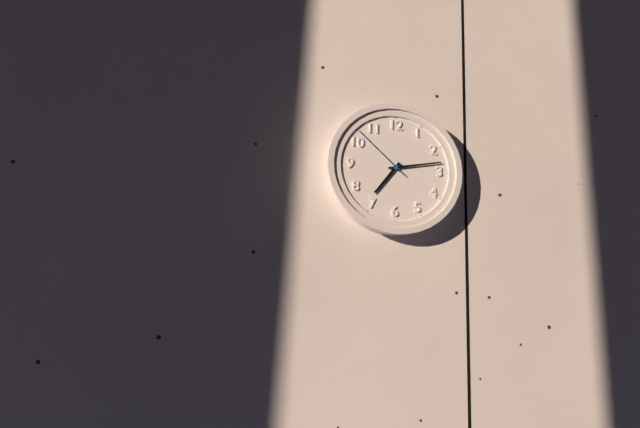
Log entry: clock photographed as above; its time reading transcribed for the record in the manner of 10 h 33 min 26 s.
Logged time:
7 h 13 min 52 s
